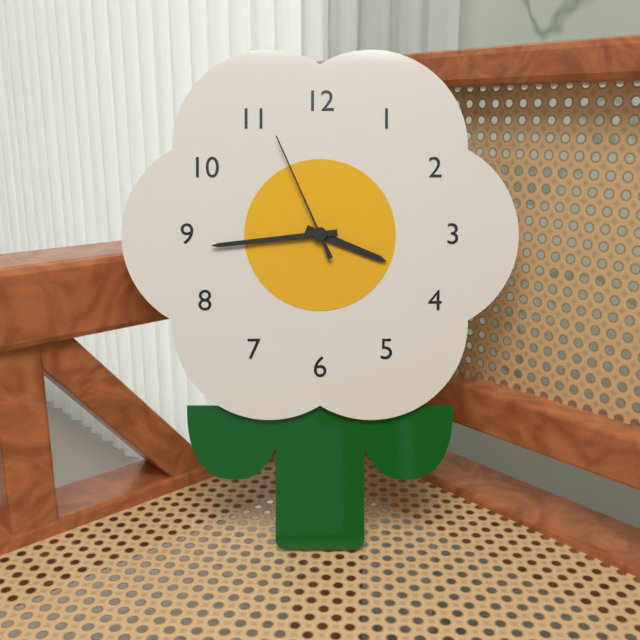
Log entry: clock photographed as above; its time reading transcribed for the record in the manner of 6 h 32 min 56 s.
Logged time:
3 h 44 min 56 s
